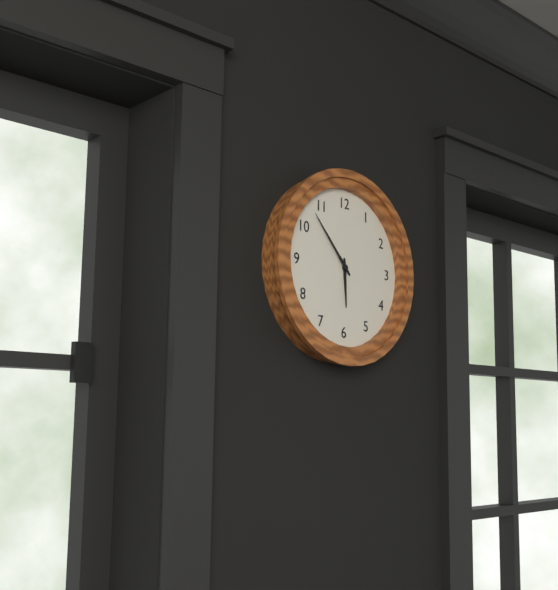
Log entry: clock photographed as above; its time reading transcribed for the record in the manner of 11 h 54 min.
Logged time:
5 h 53 min
